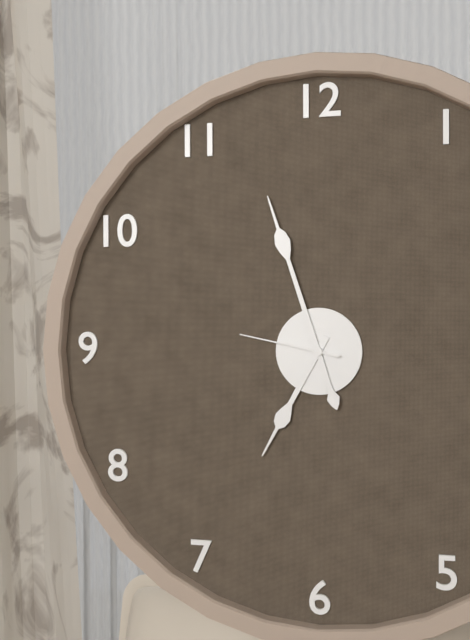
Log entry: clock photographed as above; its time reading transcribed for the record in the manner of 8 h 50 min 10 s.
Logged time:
6 h 57 min 47 s
